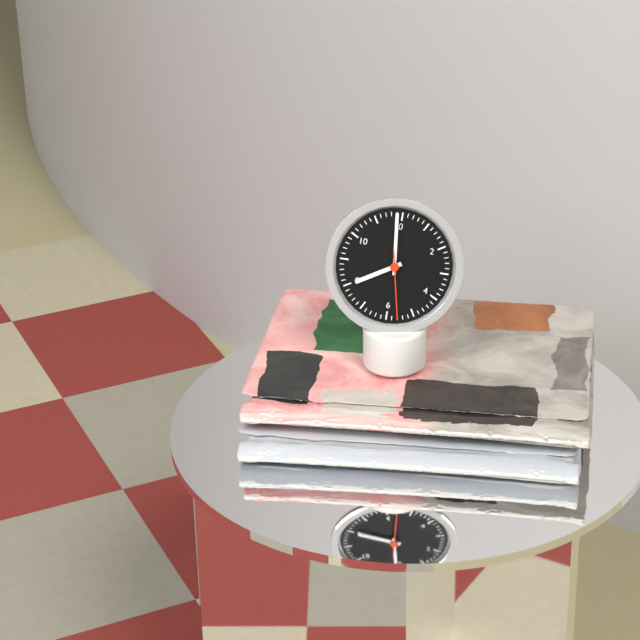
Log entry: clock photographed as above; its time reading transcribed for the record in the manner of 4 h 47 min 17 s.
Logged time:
7 h 59 min 28 s
